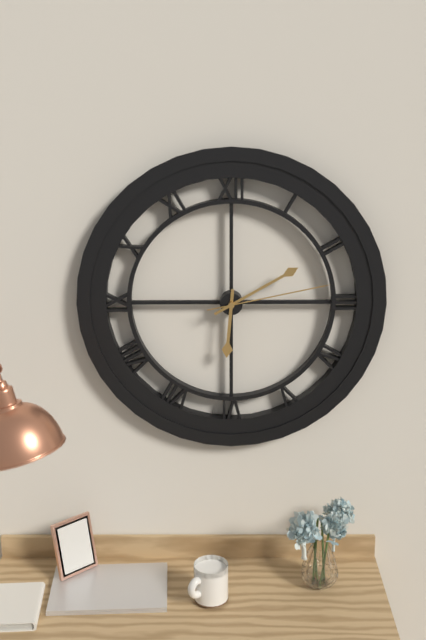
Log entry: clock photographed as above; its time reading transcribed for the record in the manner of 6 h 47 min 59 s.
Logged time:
6 h 10 min 13 s
